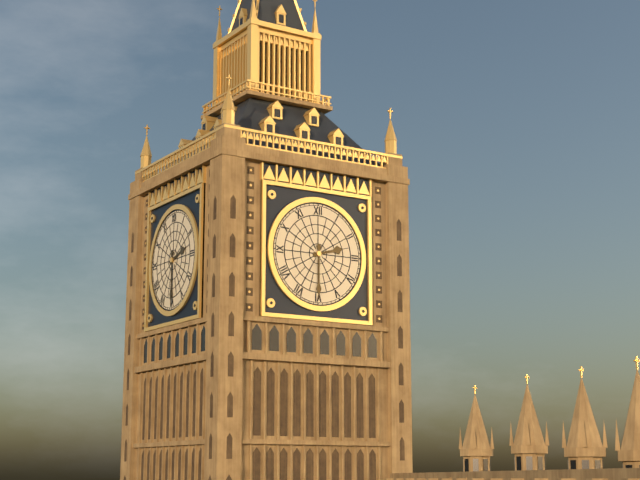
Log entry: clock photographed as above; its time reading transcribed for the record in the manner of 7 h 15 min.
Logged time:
2 h 30 min
